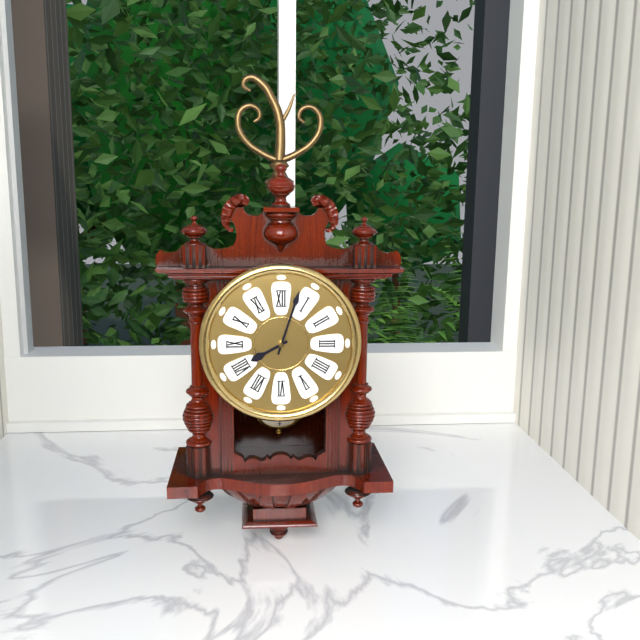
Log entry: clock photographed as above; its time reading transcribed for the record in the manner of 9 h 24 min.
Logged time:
8 h 03 min
